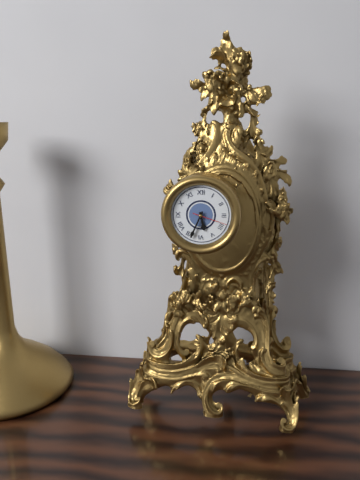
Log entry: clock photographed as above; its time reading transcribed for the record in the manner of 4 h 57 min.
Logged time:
5 h 34 min
